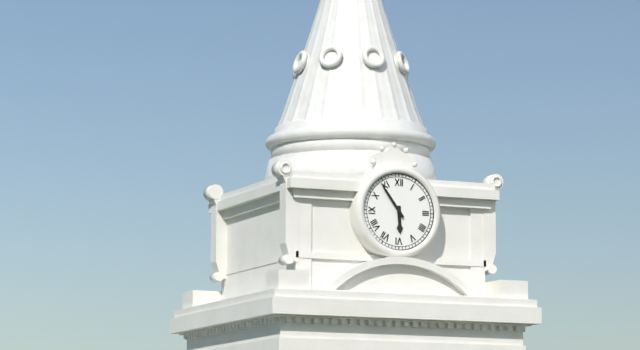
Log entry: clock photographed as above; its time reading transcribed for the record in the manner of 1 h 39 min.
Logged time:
5 h 54 min
